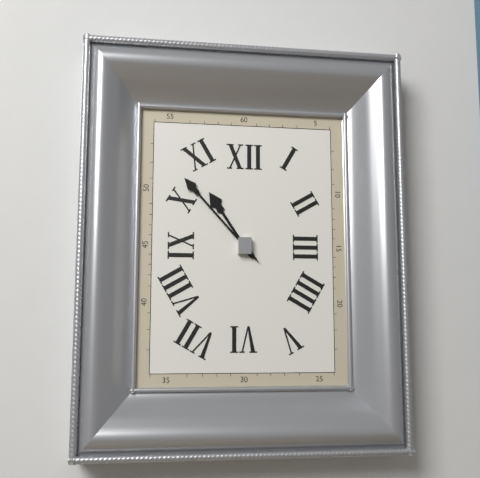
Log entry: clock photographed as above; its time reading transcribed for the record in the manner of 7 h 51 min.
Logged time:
10 h 53 min
